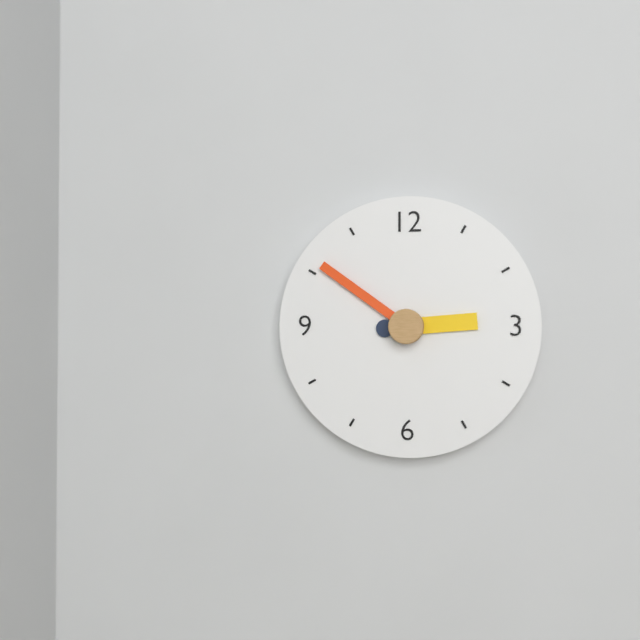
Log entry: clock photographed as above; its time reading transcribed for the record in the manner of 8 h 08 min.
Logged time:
2 h 51 min
